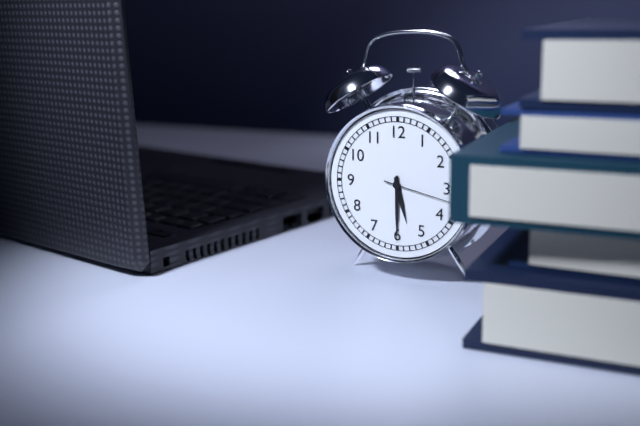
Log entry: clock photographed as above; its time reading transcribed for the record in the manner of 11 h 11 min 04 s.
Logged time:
5 h 30 min 17 s
